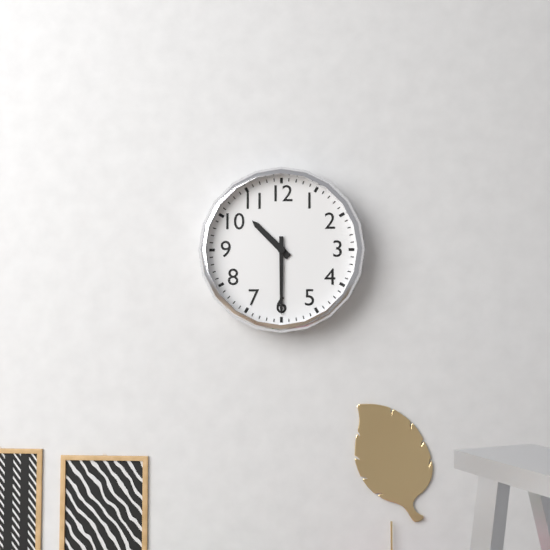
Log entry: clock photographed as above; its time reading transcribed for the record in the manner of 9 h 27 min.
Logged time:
10 h 30 min
